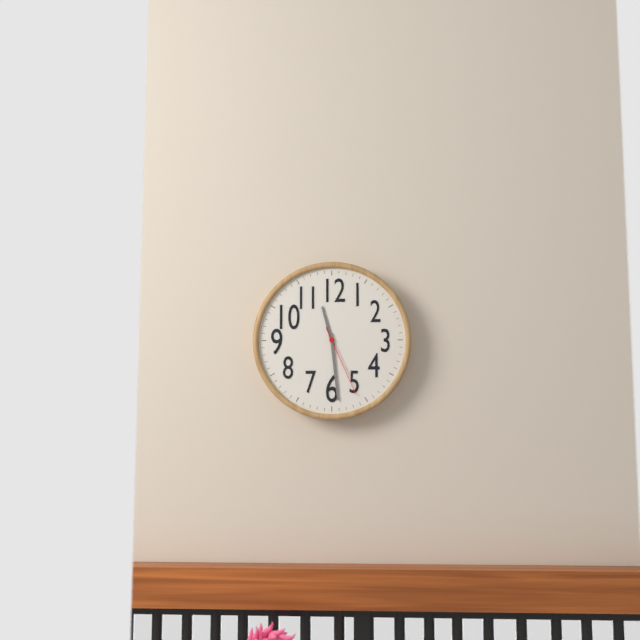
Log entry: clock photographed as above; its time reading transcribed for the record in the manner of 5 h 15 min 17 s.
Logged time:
11 h 29 min 26 s
